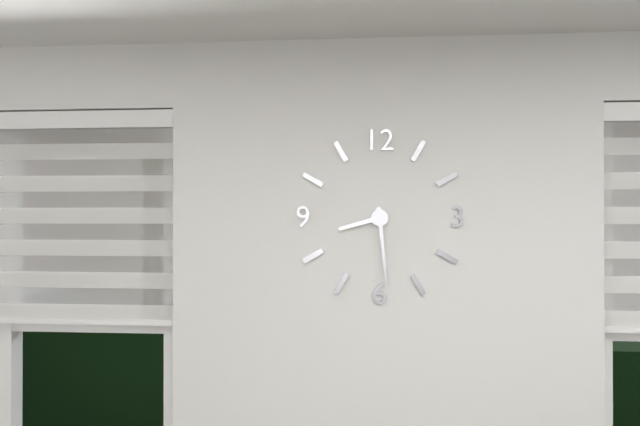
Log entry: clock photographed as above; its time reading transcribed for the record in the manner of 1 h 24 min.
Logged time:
8 h 29 min
